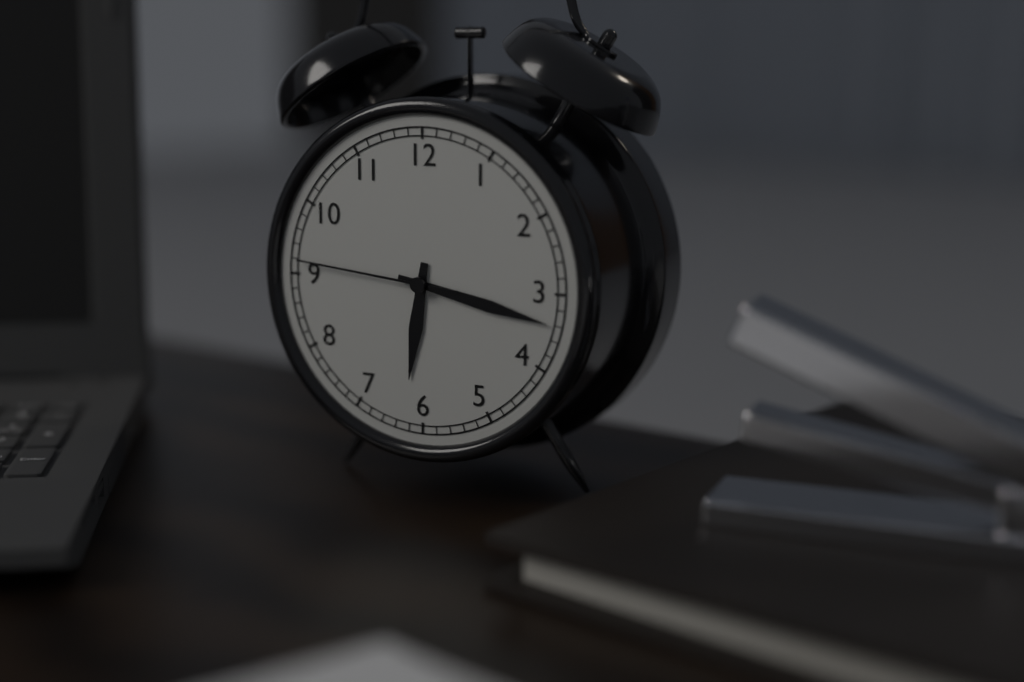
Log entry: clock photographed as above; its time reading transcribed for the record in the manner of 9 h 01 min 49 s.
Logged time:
6 h 17 min 46 s
